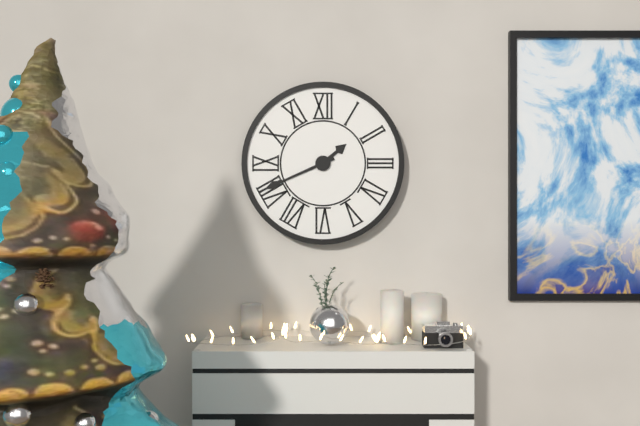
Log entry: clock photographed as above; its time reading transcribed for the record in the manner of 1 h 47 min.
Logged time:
1 h 41 min
